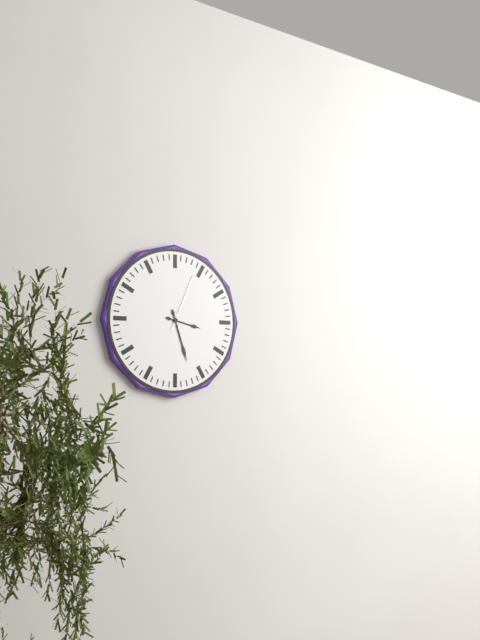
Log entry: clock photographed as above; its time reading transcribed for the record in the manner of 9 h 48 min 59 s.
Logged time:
3 h 27 min 04 s
